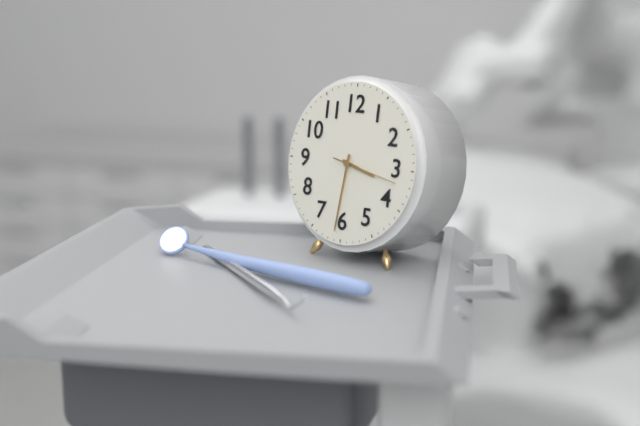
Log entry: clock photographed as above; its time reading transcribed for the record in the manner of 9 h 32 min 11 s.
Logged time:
3 h 31 min 17 s
